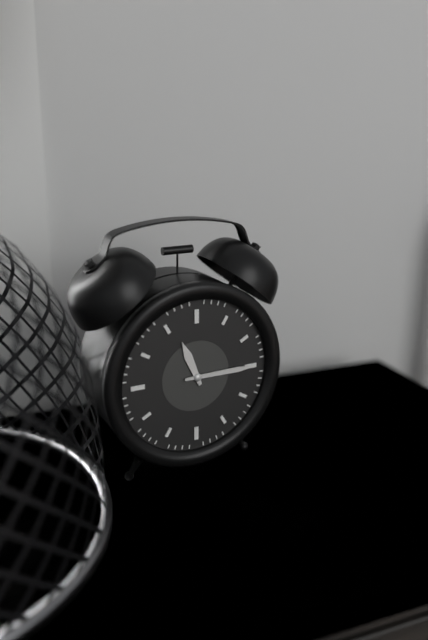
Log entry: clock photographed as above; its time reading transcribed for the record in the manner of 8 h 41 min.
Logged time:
11 h 15 min
